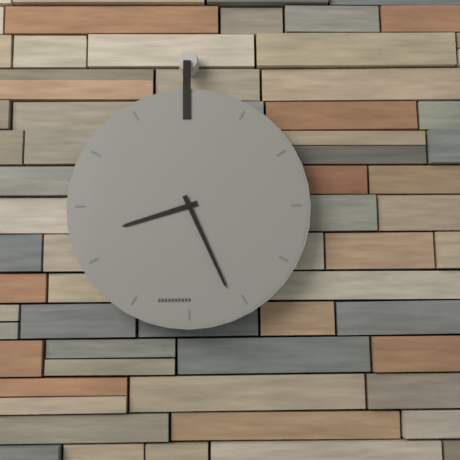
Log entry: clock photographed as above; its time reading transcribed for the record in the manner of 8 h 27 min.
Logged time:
8 h 26 min
